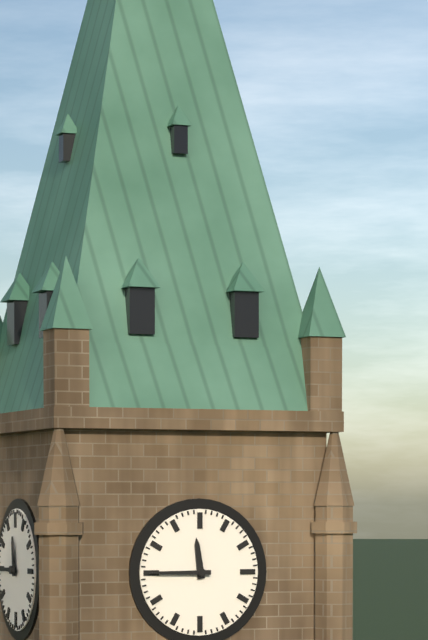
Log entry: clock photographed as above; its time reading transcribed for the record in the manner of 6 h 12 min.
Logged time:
11 h 45 min
